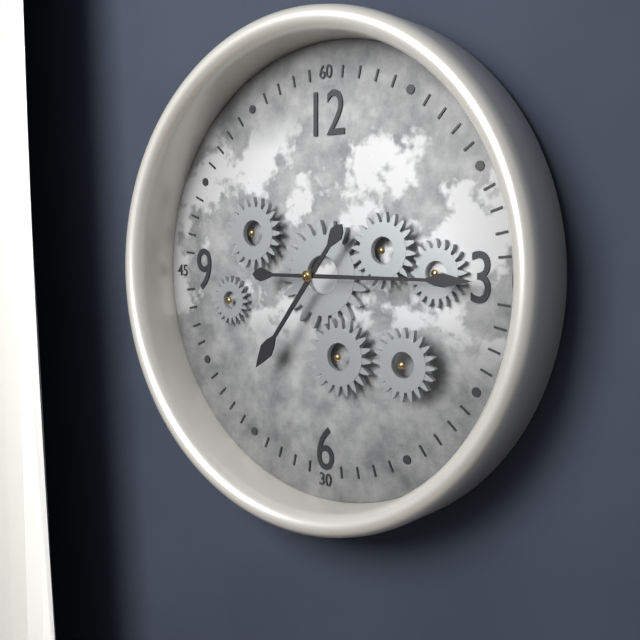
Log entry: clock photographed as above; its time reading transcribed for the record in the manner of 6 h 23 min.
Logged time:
7 h 15 min
